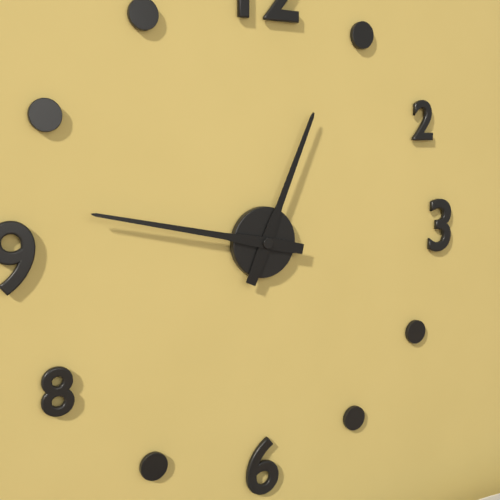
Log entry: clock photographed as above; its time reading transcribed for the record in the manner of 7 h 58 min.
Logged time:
12 h 47 min
